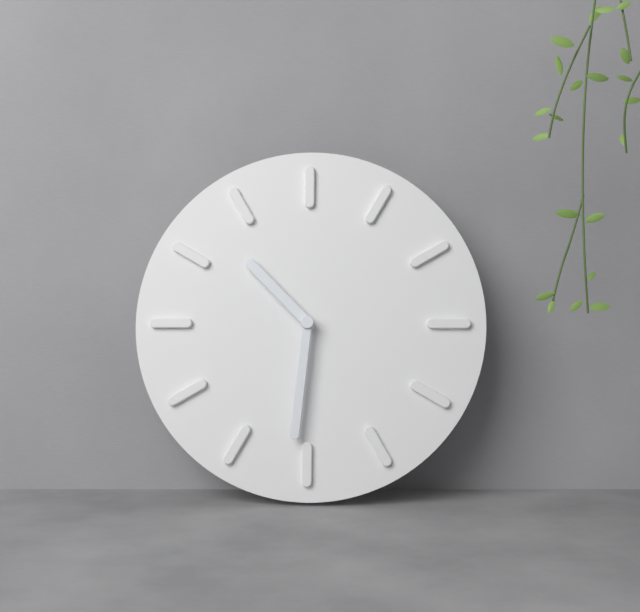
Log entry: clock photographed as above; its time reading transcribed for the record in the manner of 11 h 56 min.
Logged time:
10 h 31 min
